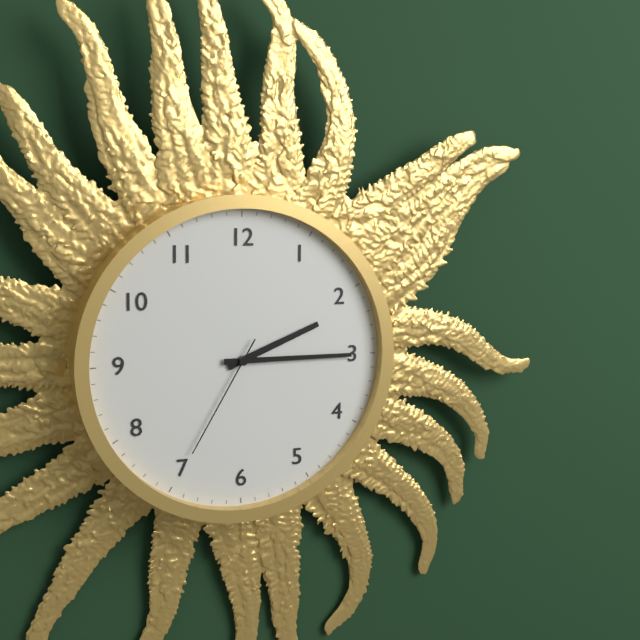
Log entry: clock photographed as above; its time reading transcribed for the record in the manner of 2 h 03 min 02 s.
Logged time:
2 h 15 min 35 s
